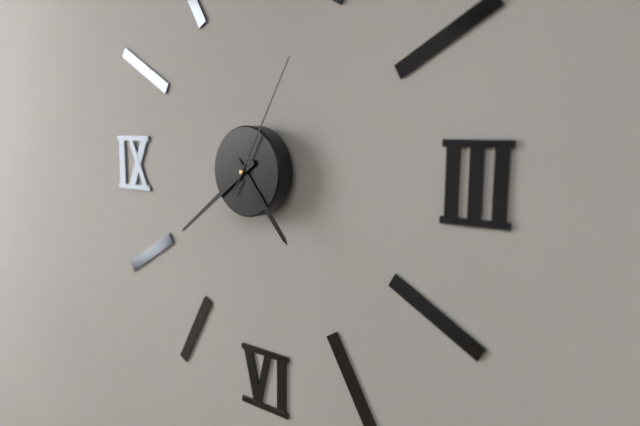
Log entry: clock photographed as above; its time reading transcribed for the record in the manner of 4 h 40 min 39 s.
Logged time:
4 h 39 min 05 s
